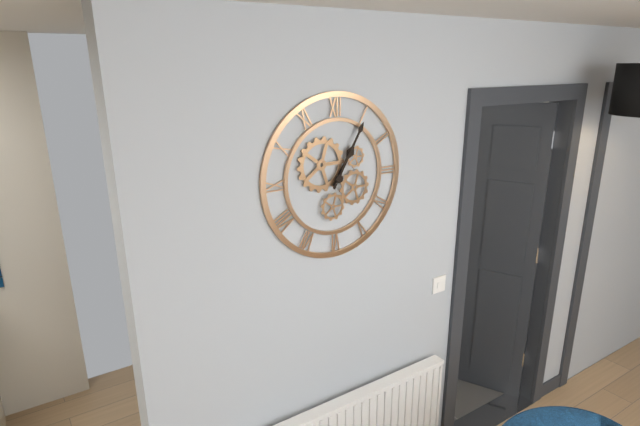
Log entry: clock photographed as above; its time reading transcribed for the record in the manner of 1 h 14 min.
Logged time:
1 h 05 min
